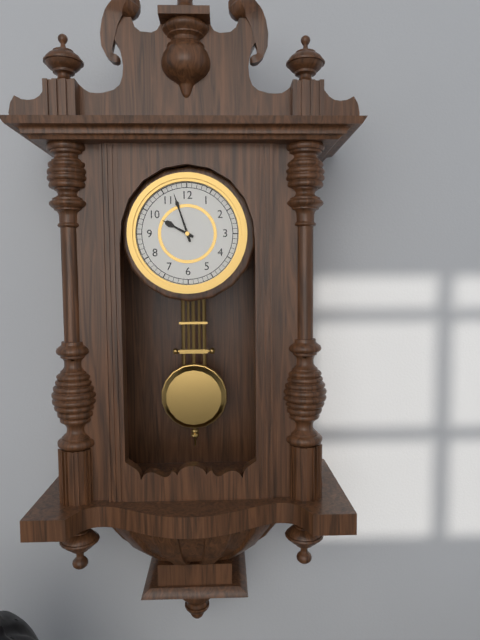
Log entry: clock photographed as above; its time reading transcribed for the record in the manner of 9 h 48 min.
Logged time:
9 h 57 min
